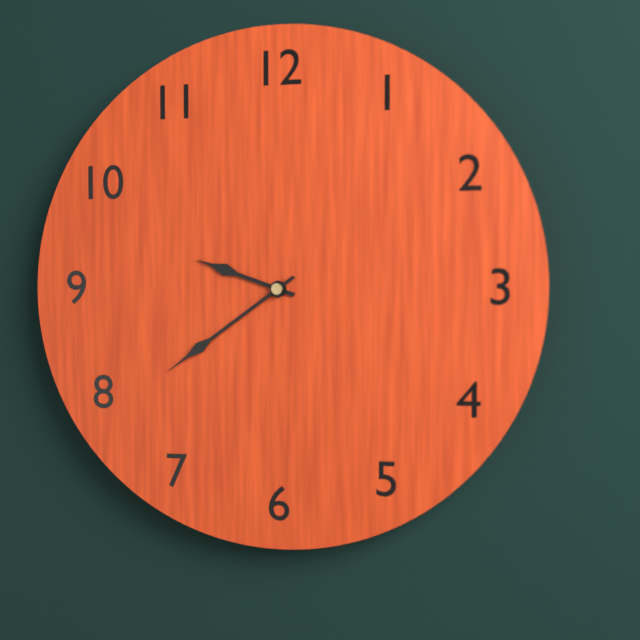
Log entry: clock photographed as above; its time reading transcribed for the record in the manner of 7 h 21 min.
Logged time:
9 h 39 min
